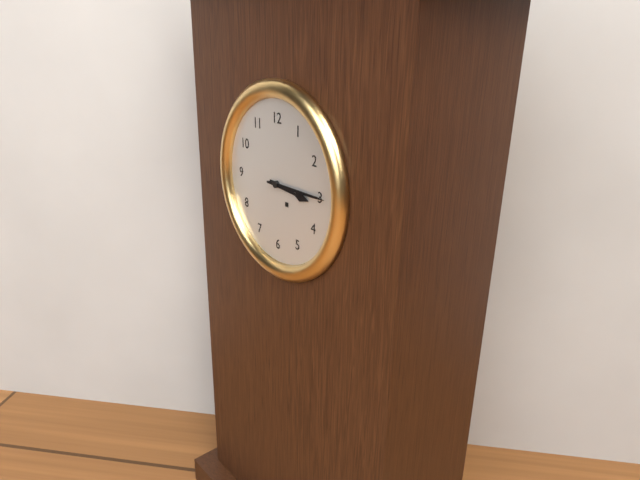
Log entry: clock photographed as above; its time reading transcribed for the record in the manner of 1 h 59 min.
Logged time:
3 h 15 min
